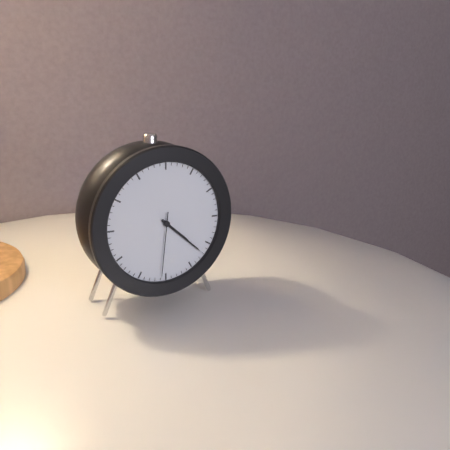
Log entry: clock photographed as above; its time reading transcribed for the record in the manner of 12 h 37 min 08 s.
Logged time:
4 h 22 min 31 s
